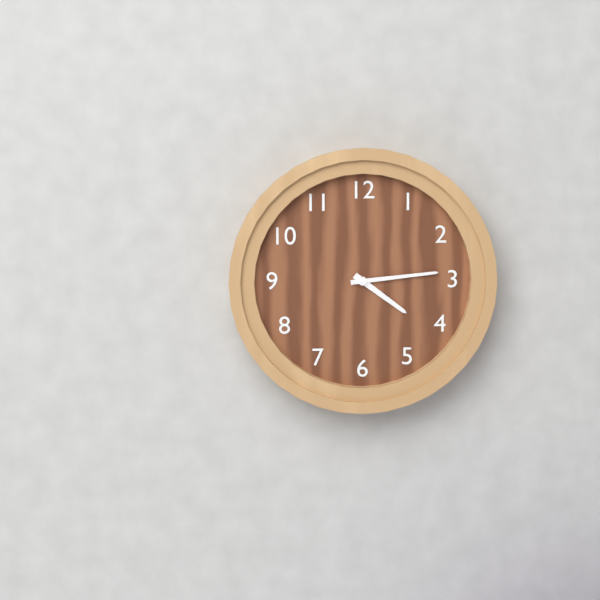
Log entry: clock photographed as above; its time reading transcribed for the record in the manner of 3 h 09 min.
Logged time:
4 h 14 min
